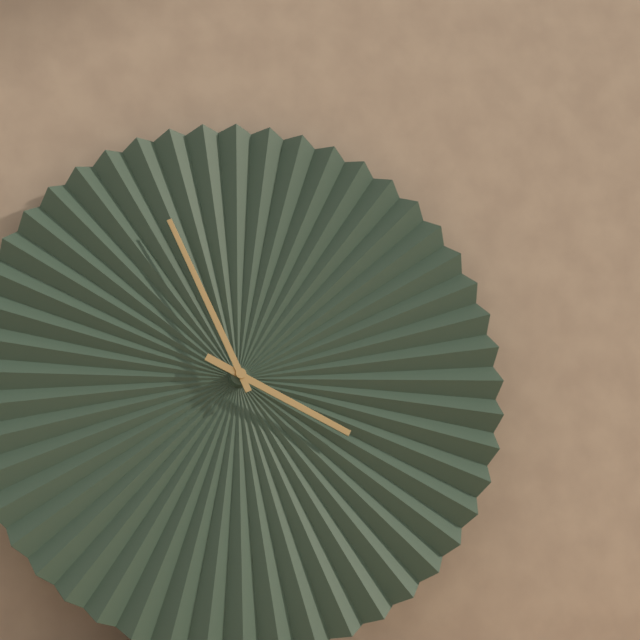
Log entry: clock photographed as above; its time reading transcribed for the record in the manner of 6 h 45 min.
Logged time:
3 h 56 min
